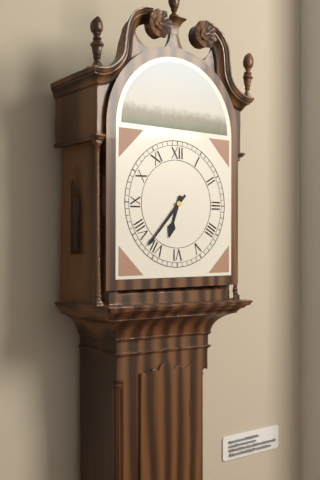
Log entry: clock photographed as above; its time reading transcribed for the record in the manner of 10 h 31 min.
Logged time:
6 h 37 min
